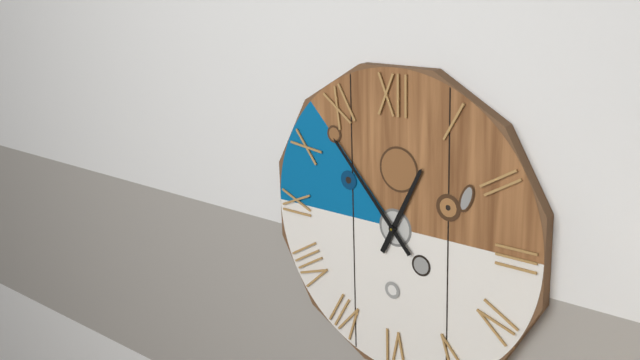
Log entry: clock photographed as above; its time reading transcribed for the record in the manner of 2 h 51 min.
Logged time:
12 h 53 min
